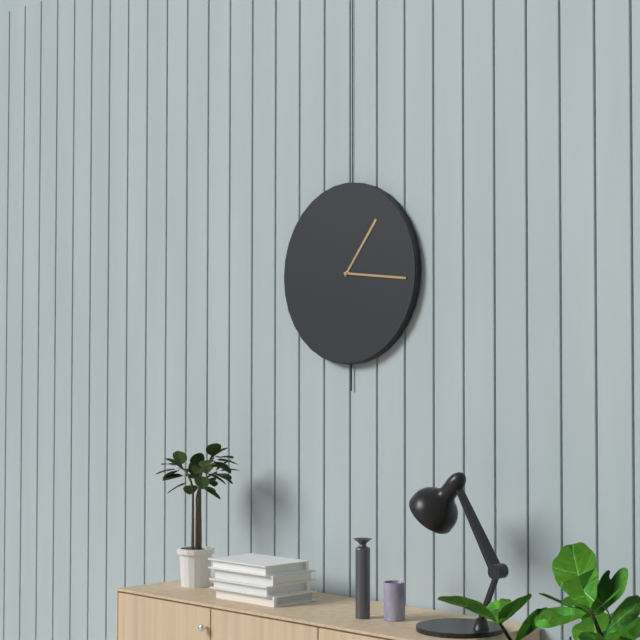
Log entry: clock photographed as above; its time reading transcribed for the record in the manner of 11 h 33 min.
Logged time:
1 h 16 min
